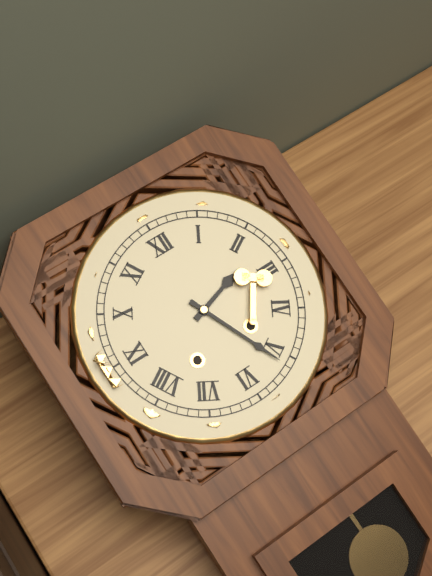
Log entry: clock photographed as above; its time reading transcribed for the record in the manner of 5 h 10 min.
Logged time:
2 h 26 min
